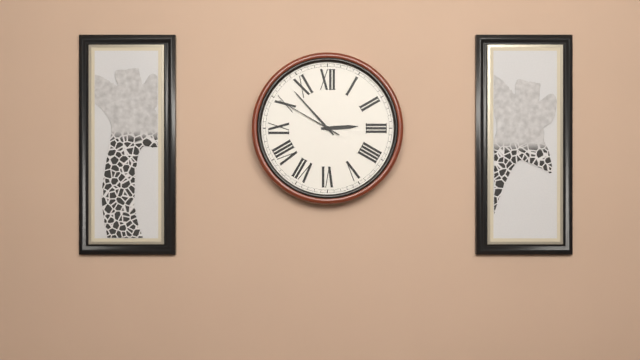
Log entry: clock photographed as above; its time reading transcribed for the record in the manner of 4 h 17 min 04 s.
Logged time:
2 h 53 min 50 s
